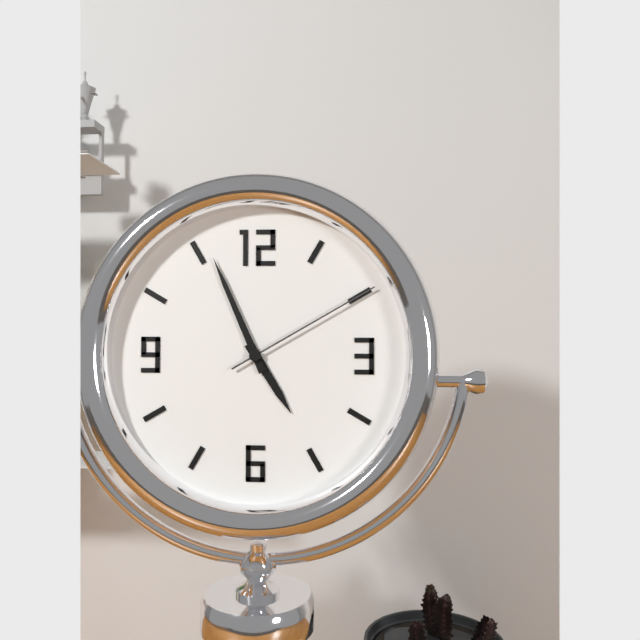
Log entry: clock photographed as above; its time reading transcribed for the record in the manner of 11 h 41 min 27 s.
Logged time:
4 h 56 min 10 s
